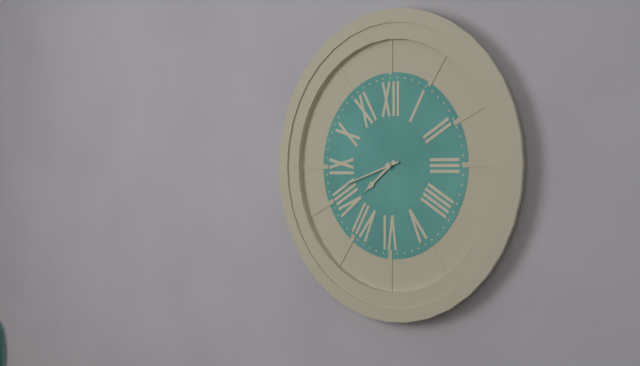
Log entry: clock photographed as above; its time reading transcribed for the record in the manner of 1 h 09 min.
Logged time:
7 h 42 min
